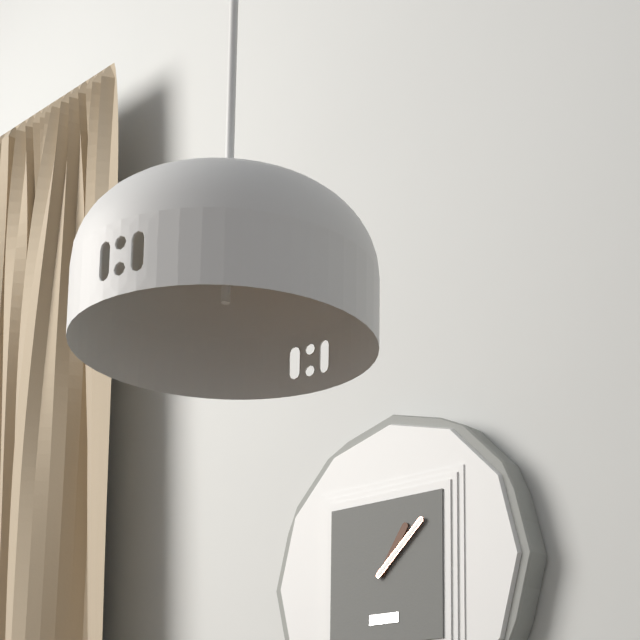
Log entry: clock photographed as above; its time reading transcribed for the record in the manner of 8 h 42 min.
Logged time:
1 h 08 min
